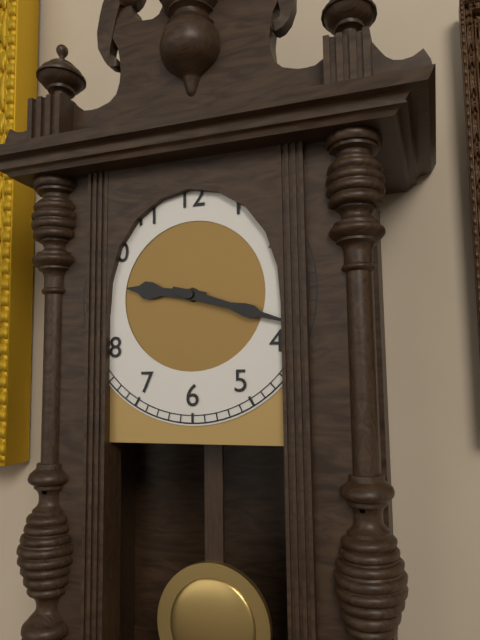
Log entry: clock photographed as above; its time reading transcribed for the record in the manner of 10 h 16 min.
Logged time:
9 h 18 min
